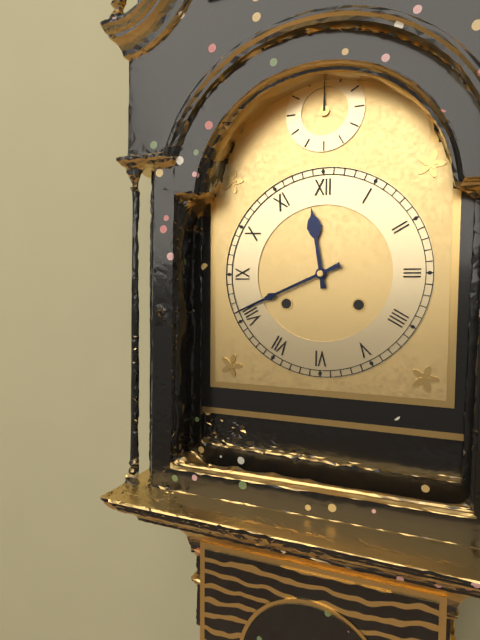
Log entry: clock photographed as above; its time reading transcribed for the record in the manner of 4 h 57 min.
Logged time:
11 h 41 min
